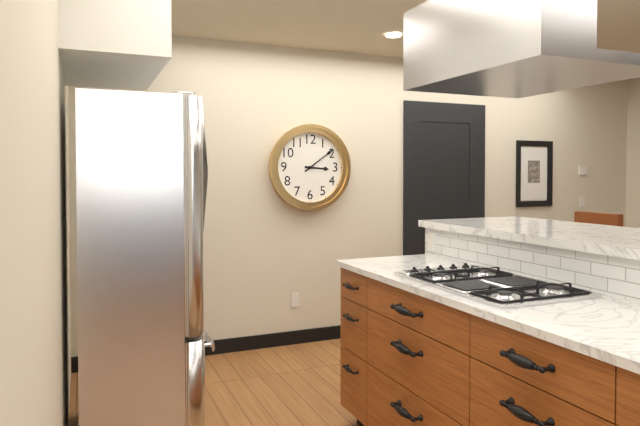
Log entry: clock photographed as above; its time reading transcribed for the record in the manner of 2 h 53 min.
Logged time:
3 h 09 min
